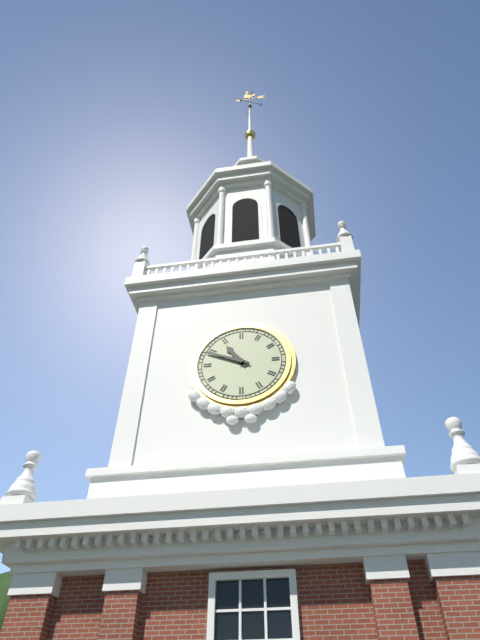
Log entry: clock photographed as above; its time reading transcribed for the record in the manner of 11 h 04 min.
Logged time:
10 h 49 min
